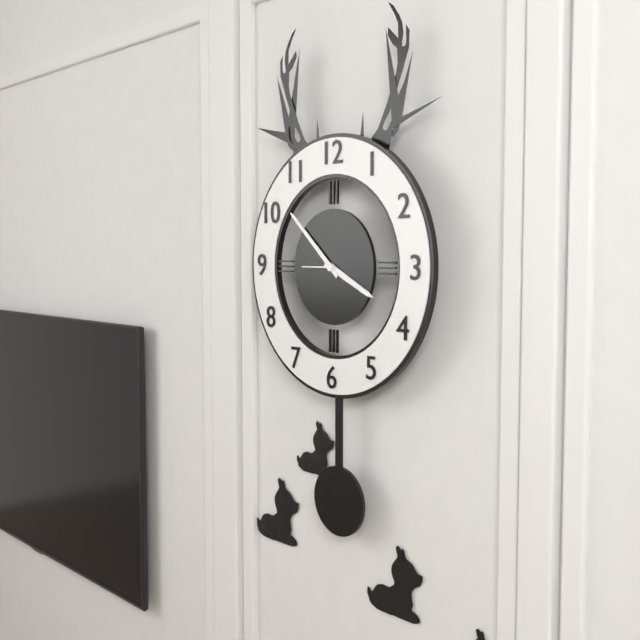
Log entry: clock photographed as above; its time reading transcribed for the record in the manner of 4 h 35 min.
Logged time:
3 h 52 min
